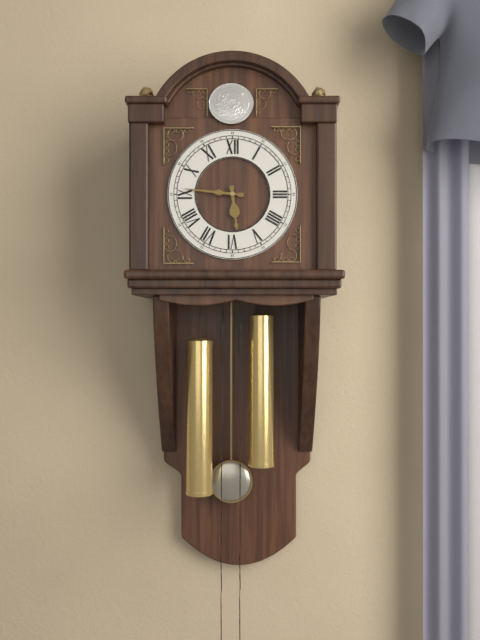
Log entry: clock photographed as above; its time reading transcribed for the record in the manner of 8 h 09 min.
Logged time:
5 h 46 min
